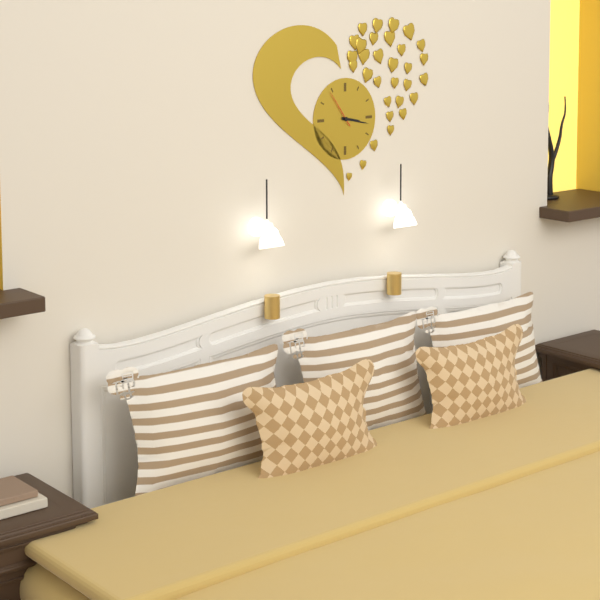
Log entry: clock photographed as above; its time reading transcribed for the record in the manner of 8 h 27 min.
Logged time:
3 h 17 min
